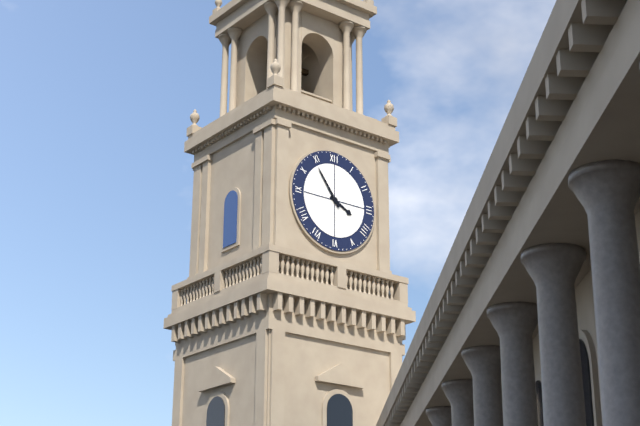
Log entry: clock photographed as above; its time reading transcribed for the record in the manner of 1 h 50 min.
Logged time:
3 h 54 min
